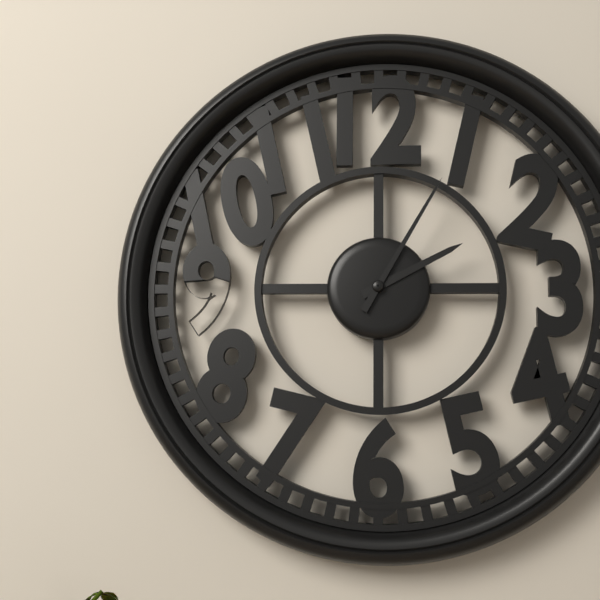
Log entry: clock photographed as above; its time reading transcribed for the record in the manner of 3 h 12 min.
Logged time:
2 h 05 min
